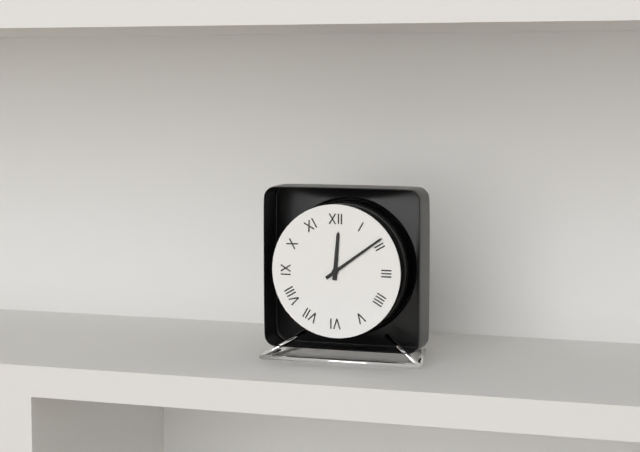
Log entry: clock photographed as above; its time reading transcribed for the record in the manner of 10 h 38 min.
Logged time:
12 h 09 min
